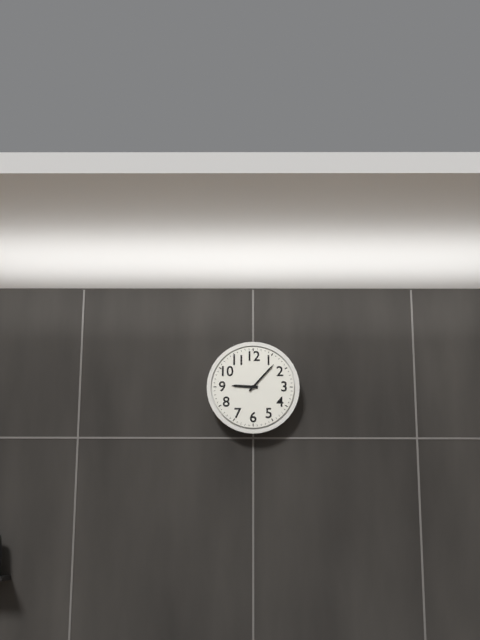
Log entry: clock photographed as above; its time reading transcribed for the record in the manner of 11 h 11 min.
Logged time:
9 h 07 min
